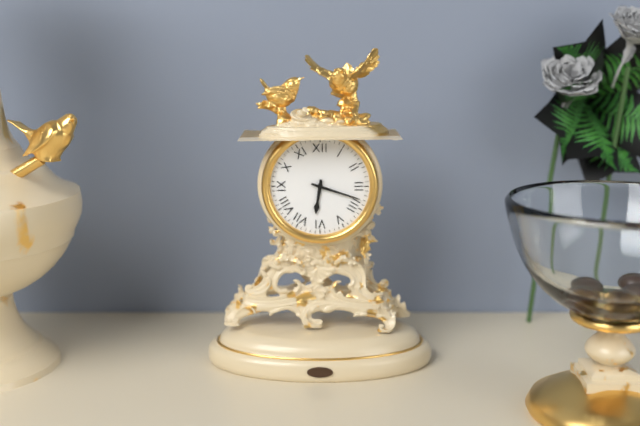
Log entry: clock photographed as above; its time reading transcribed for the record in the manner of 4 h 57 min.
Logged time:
6 h 18 min
